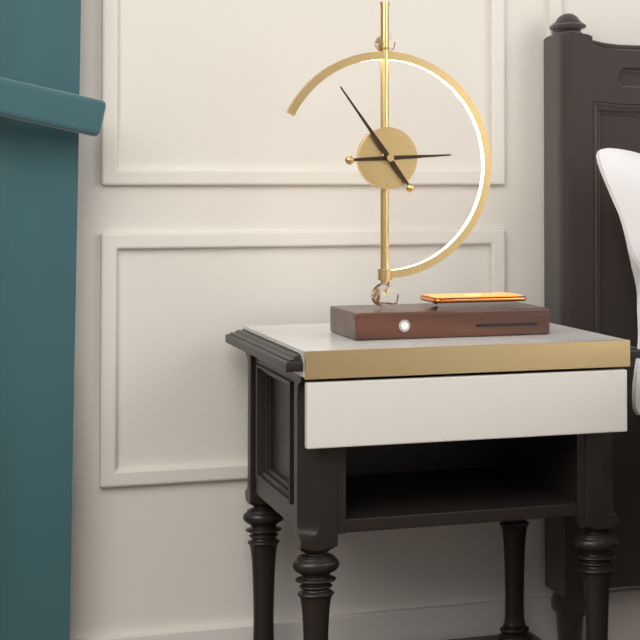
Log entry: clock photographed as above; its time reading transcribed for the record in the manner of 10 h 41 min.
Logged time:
2 h 54 min
